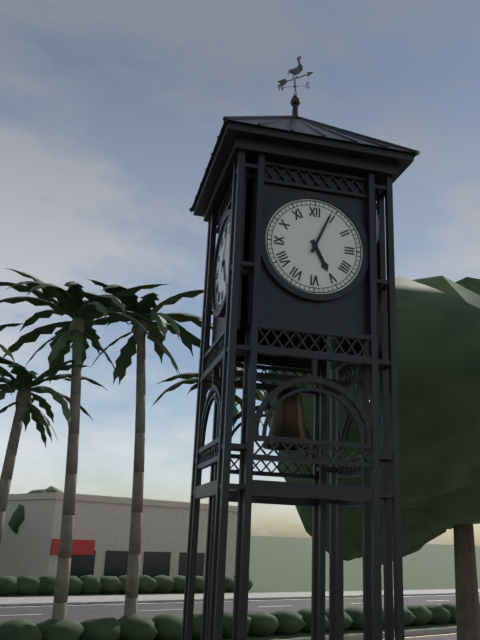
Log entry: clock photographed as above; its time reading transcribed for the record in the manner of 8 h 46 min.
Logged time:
5 h 04 min
